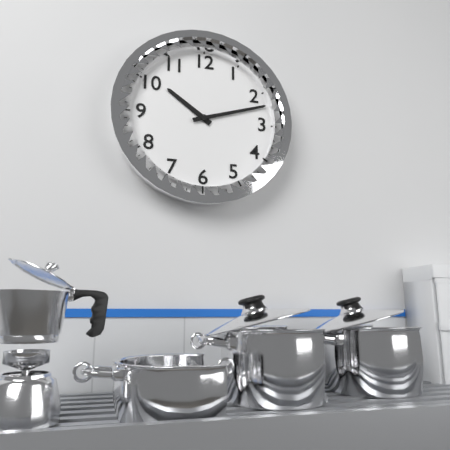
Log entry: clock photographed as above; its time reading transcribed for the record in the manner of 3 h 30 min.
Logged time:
10 h 12 min
